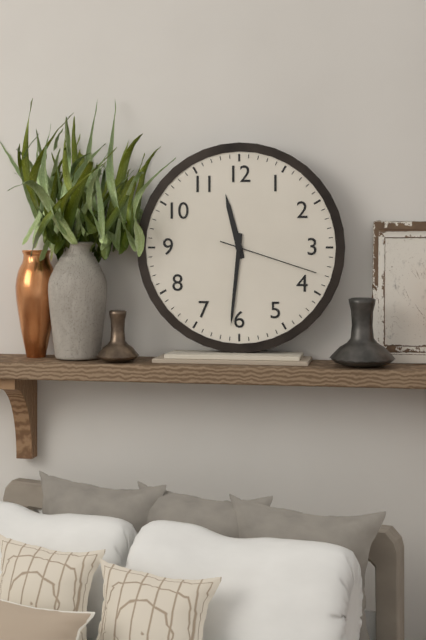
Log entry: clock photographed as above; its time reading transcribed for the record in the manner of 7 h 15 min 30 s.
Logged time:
11 h 31 min 18 s
